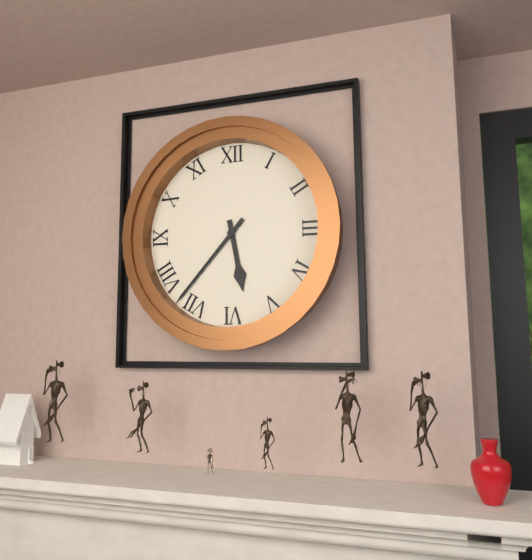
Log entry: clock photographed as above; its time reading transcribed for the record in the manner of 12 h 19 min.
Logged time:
5 h 37 min
